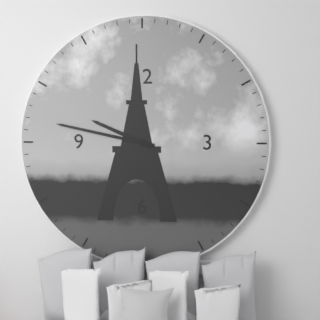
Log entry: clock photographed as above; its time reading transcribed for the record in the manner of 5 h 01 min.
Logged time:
9 h 47 min
